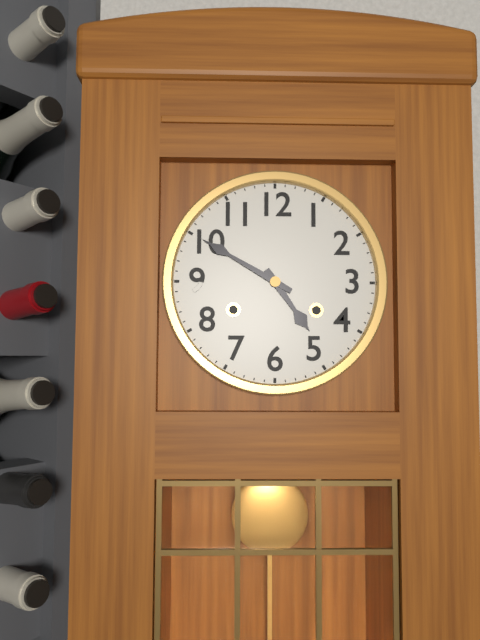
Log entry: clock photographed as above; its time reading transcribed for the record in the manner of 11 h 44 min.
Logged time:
4 h 50 min
